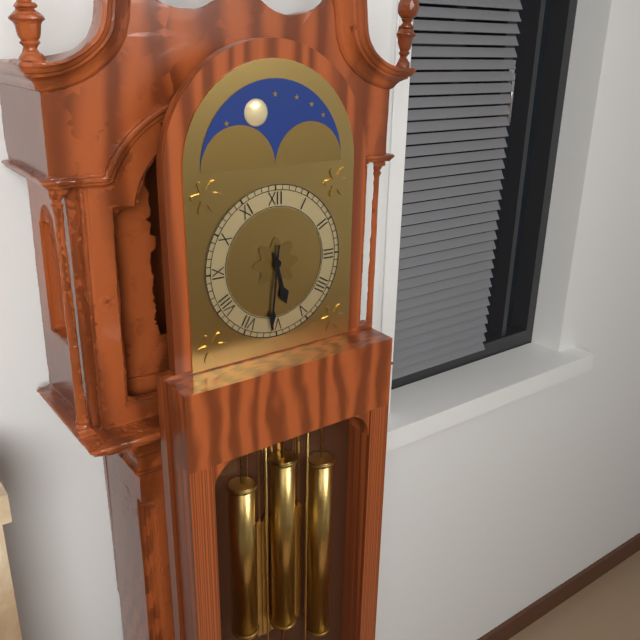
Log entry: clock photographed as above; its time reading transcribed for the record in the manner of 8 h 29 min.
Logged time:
5 h 31 min
